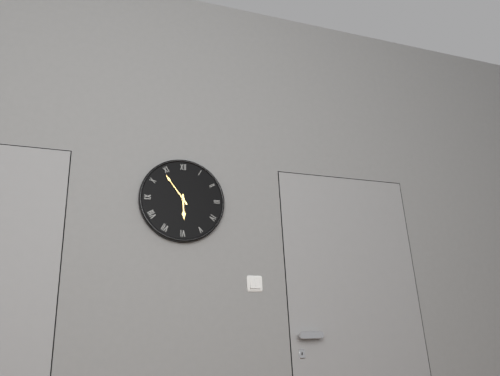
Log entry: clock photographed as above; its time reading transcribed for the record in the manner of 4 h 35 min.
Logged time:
5 h 54 min
